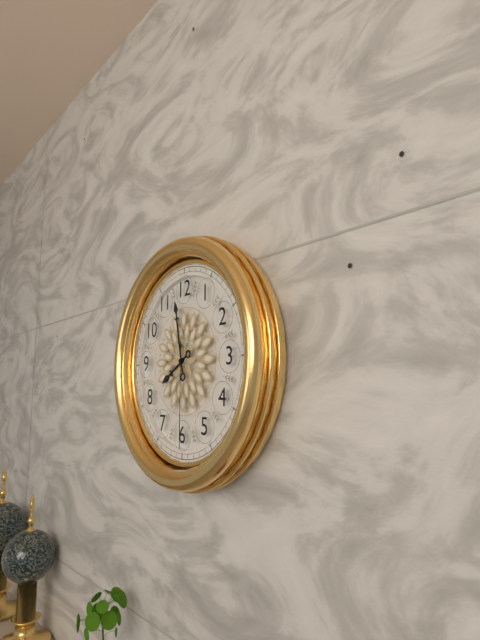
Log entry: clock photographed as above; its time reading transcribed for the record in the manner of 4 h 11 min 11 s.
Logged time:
7 h 58 min 30 s
